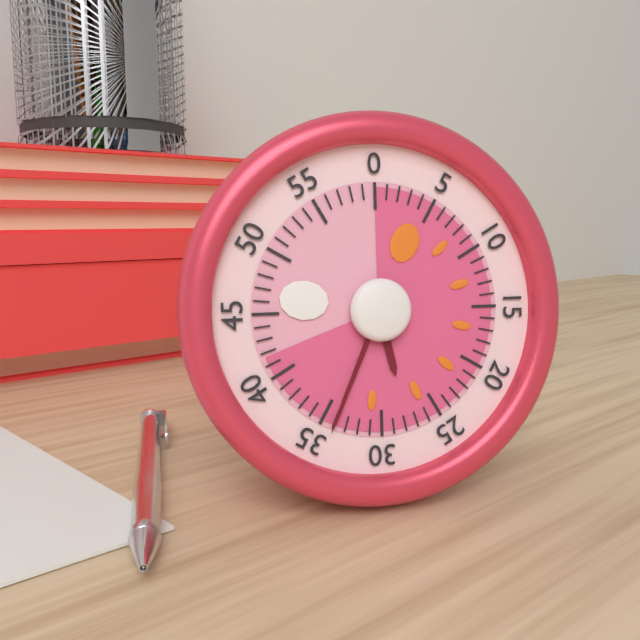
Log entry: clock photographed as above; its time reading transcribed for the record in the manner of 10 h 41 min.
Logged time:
5 h 34 min
